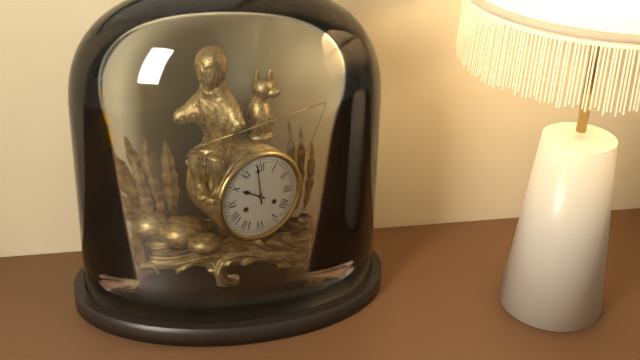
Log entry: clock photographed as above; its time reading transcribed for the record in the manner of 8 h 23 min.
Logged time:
9 h 59 min
